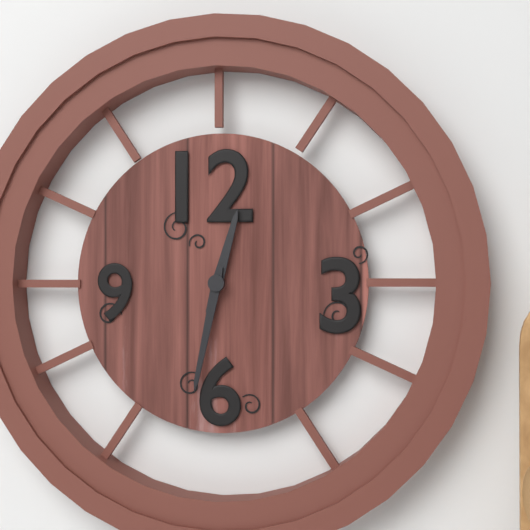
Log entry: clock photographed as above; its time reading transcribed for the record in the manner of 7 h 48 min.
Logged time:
12 h 32 min
